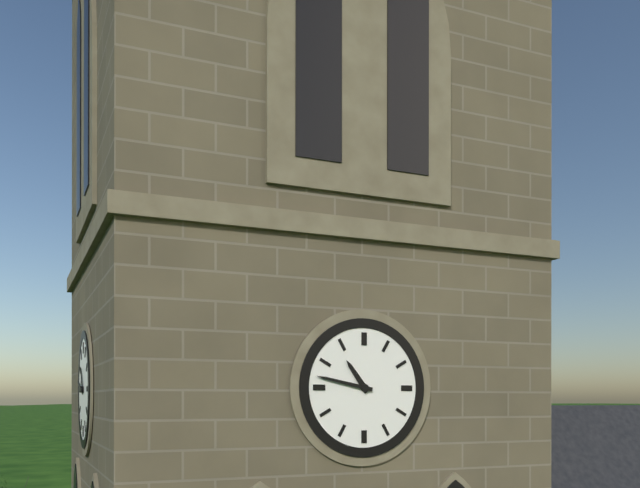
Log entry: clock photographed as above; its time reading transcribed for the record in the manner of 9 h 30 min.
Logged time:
10 h 47 min
